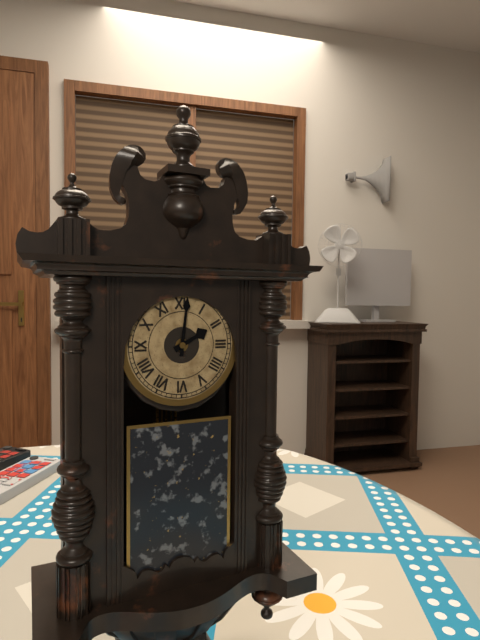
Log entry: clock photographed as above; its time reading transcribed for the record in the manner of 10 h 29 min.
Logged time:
2 h 01 min
